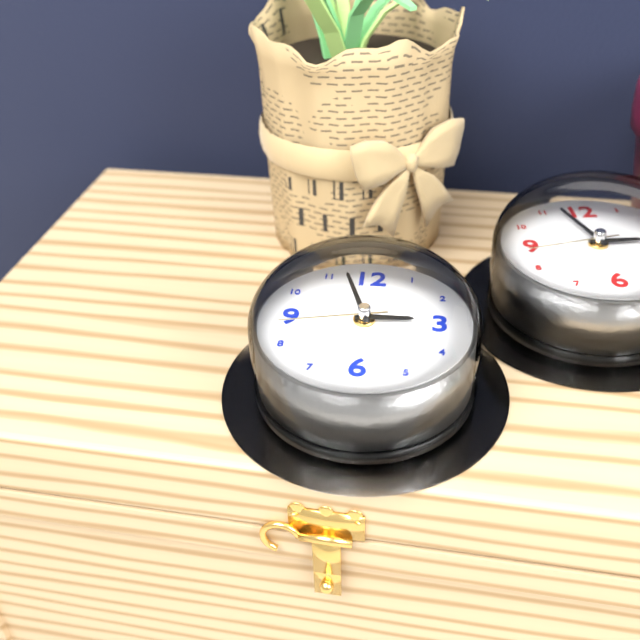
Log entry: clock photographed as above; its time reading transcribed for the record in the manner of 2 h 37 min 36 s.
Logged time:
2 h 57 min 43 s
